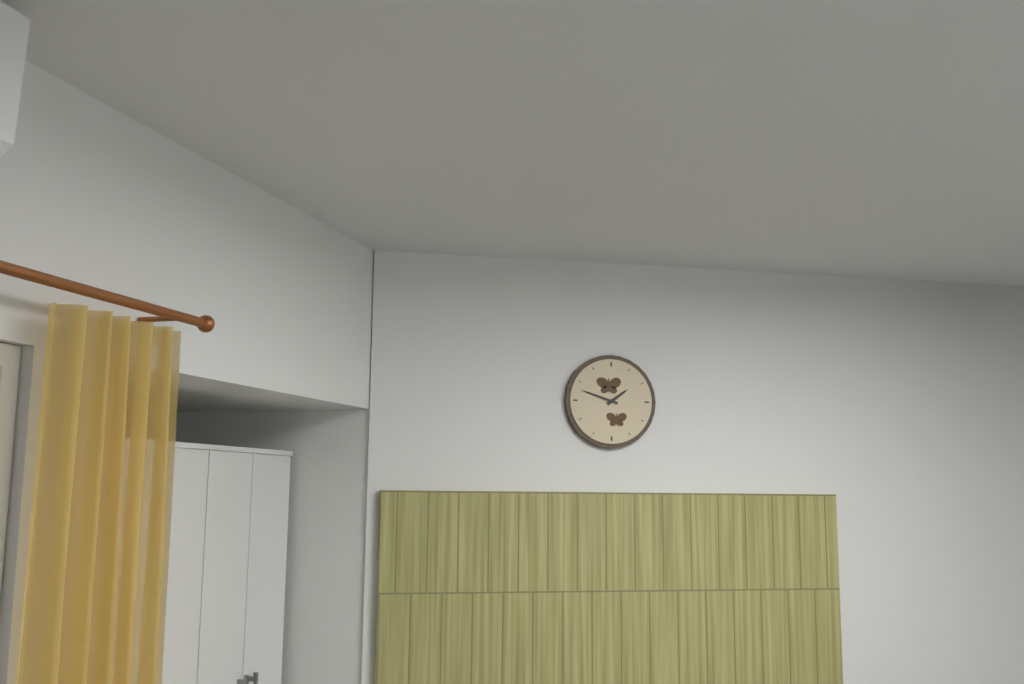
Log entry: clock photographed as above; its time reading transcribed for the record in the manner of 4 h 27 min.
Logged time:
1 h 48 min
